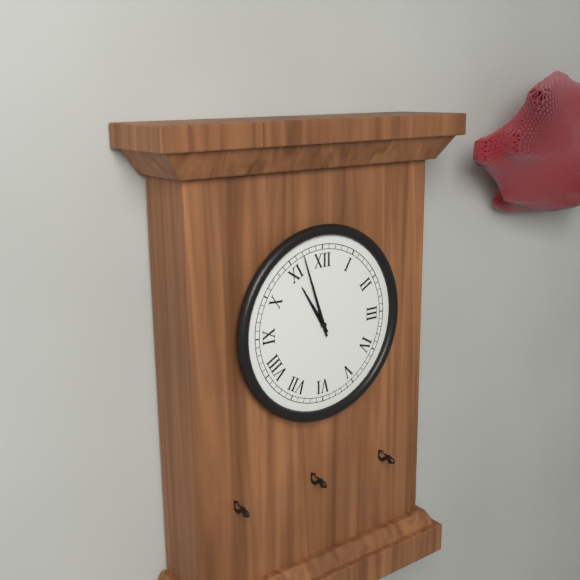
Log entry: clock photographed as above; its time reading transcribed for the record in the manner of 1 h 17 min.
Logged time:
10 h 57 min
